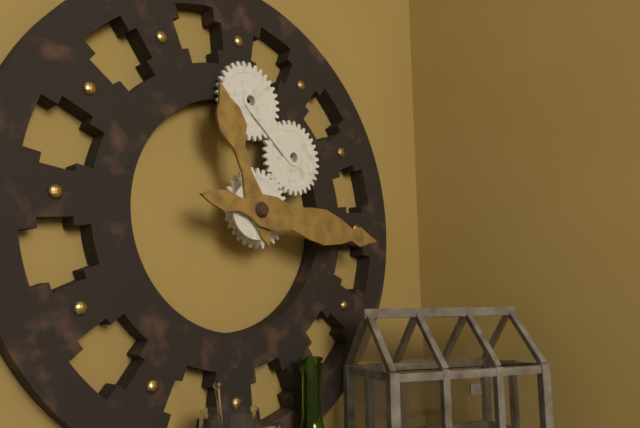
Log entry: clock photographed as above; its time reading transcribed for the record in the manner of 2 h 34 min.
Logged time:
11 h 16 min
